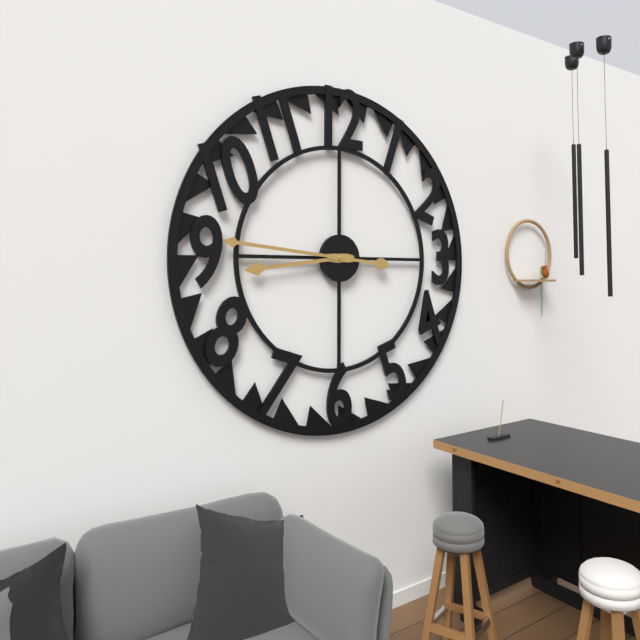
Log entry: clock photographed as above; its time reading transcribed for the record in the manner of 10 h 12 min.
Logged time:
8 h 46 min
